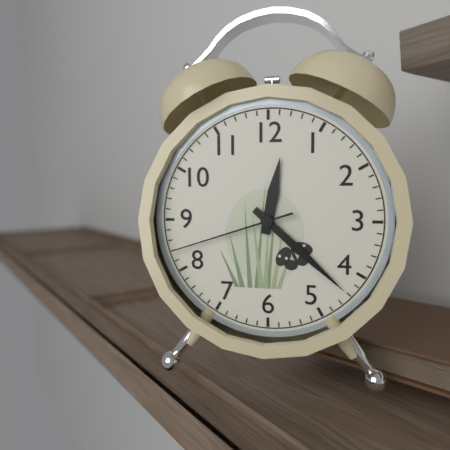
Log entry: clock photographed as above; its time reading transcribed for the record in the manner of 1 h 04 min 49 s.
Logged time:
12 h 22 min 42 s
